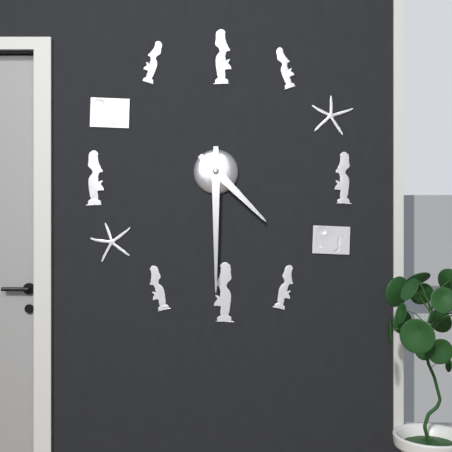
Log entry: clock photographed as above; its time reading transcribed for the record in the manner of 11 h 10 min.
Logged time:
4 h 30 min
